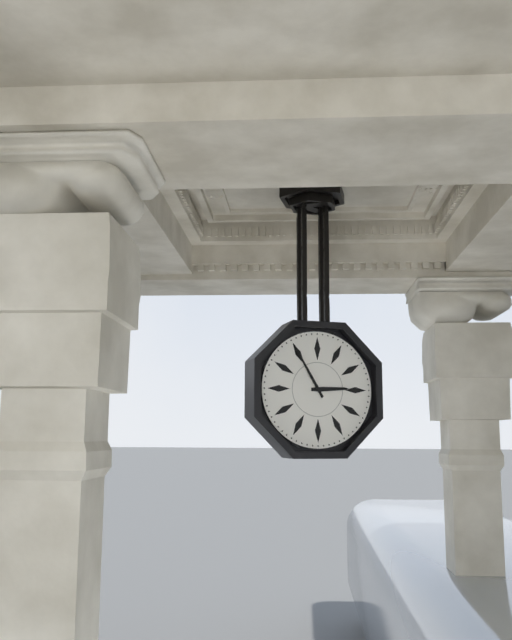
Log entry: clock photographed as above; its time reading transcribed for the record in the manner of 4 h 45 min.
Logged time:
2 h 55 min
